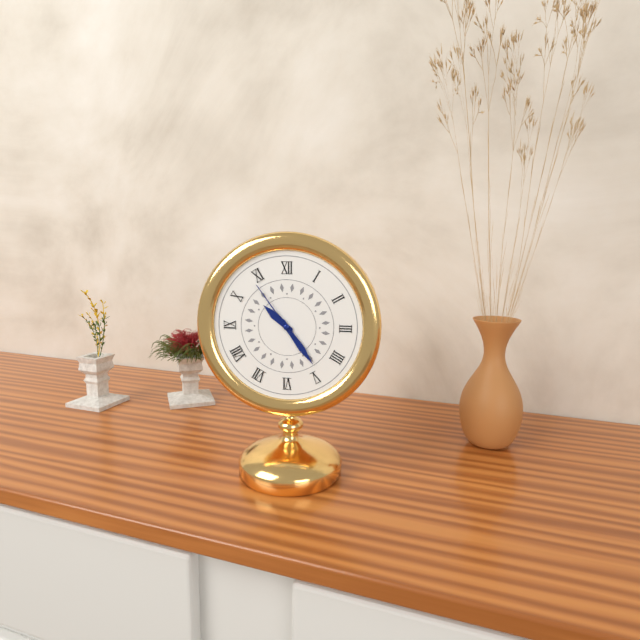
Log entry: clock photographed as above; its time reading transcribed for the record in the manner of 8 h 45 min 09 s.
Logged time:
10 h 24 min 54 s
